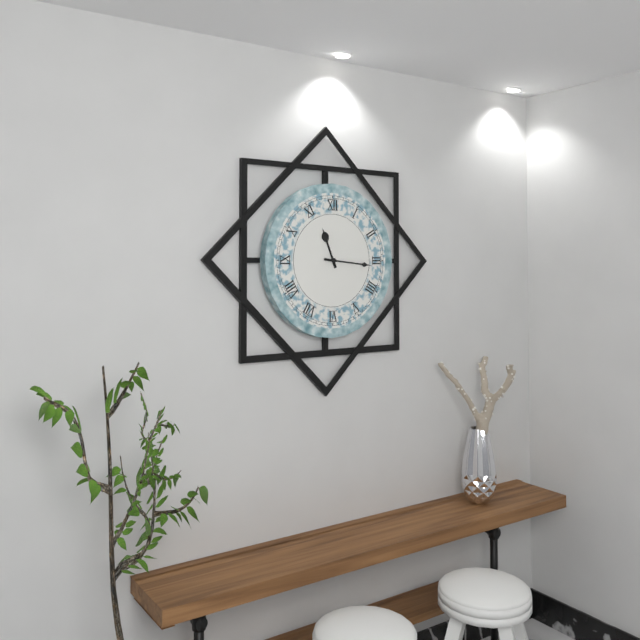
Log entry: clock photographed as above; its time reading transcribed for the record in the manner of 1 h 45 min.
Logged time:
11 h 16 min
